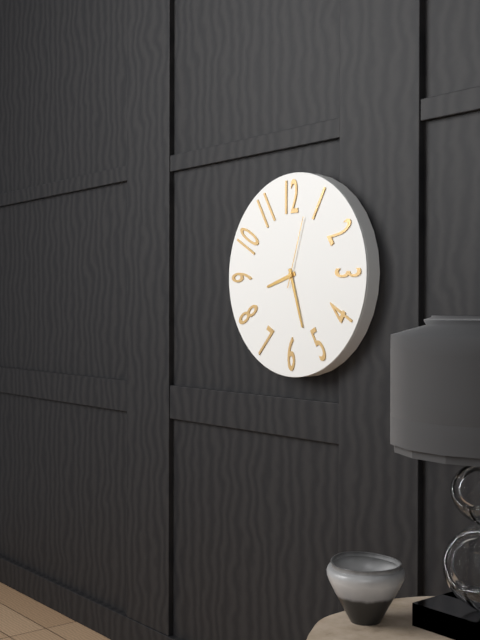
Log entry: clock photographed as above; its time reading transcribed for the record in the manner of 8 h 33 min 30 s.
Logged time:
8 h 27 min 03 s
